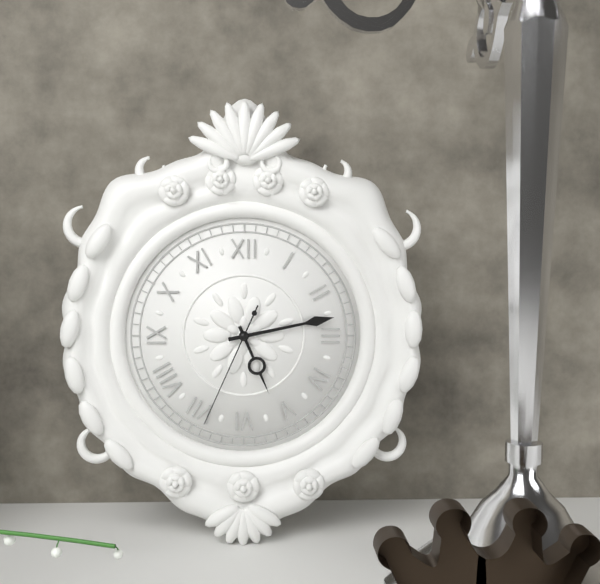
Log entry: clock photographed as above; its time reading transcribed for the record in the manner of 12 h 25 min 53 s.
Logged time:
5 h 13 min 34 s
